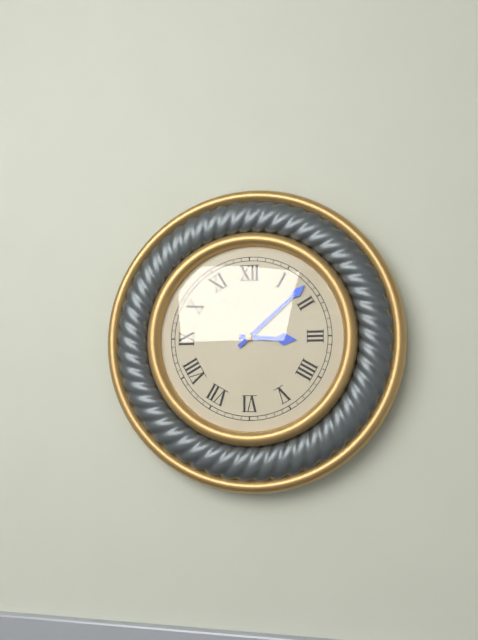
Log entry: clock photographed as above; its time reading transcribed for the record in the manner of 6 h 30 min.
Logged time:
3 h 08 min
